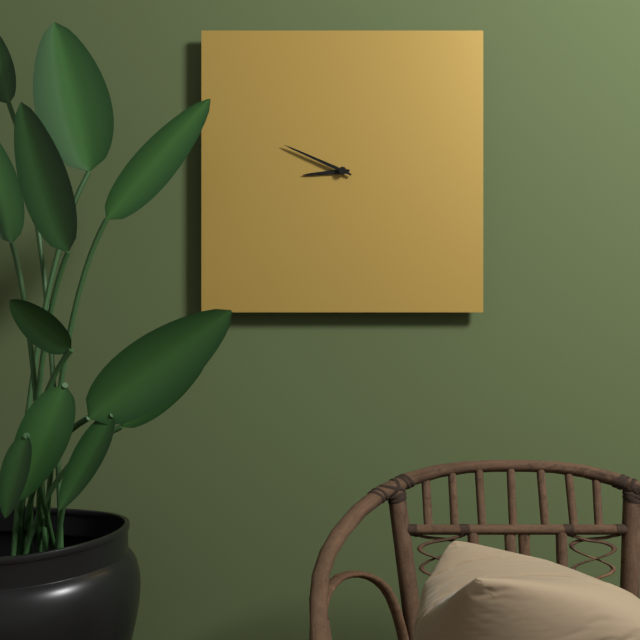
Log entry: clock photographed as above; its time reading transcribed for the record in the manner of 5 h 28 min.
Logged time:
8 h 49 min
